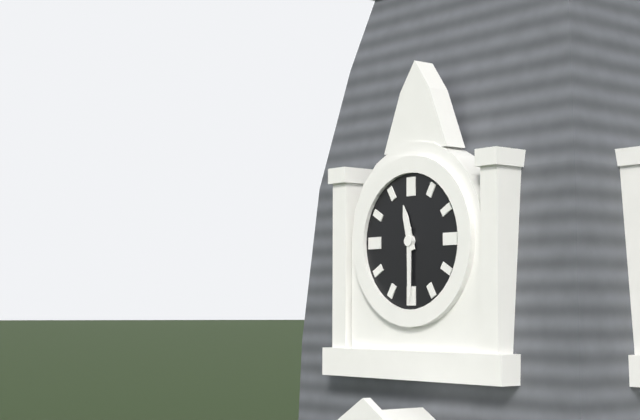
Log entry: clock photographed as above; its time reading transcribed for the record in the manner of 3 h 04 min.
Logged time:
11 h 30 min
